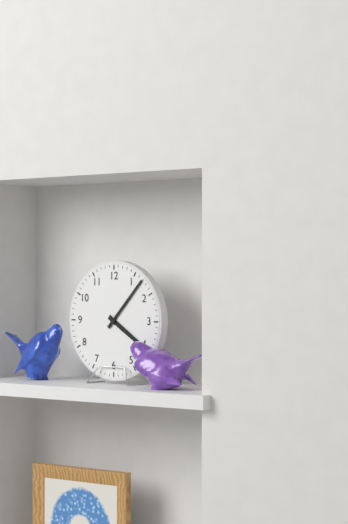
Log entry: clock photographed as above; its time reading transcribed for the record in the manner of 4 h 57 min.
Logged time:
4 h 07 min
